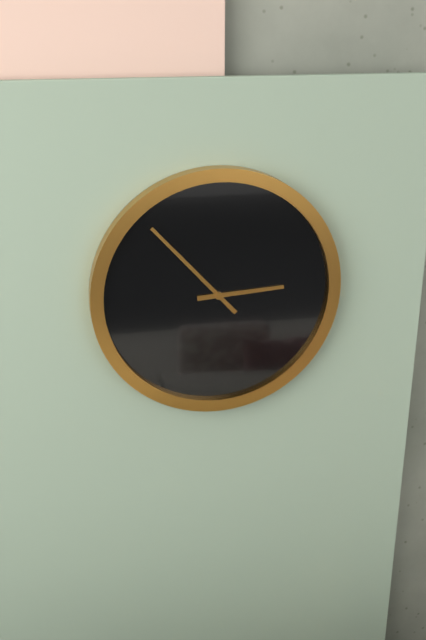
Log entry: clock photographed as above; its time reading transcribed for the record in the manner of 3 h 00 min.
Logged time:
2 h 53 min
